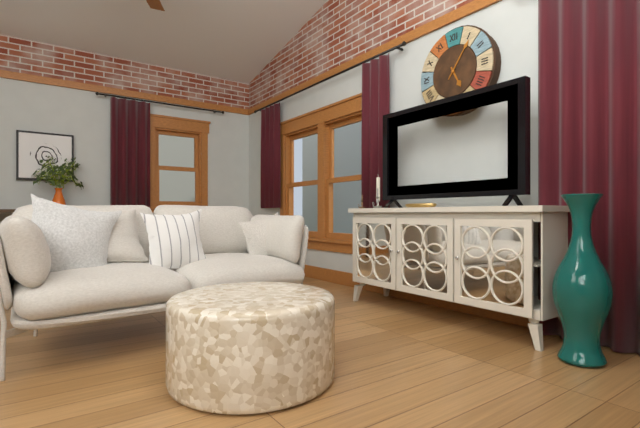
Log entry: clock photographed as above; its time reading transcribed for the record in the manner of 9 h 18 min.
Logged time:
5 h 06 min
